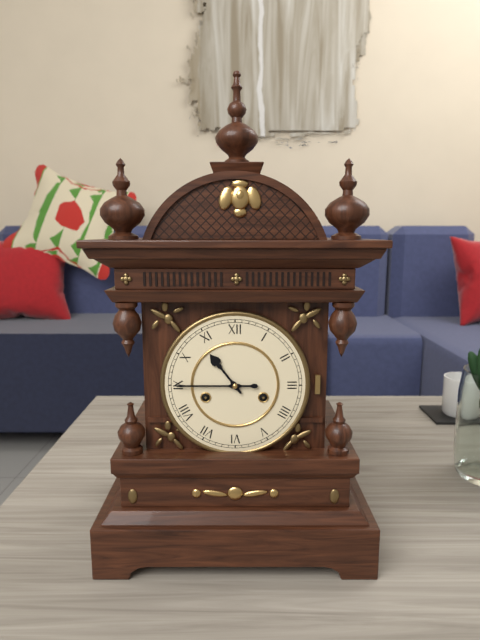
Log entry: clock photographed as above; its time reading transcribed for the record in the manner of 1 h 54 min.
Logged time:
10 h 45 min
